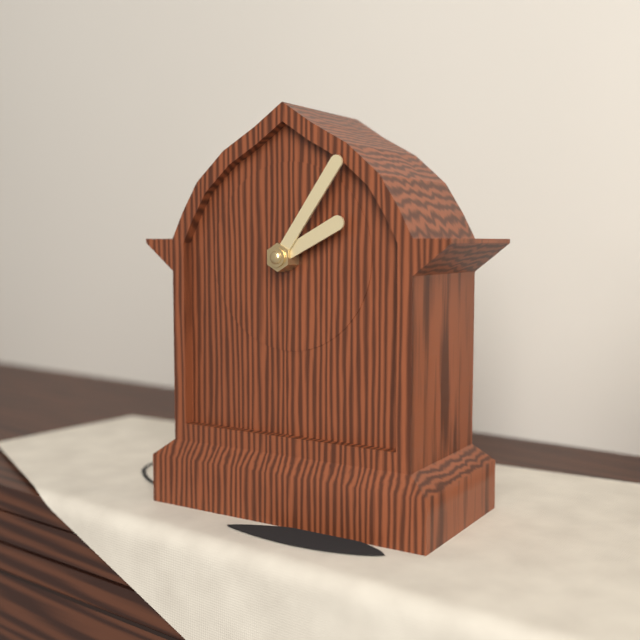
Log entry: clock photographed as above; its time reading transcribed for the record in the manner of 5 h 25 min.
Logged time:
2 h 06 min
